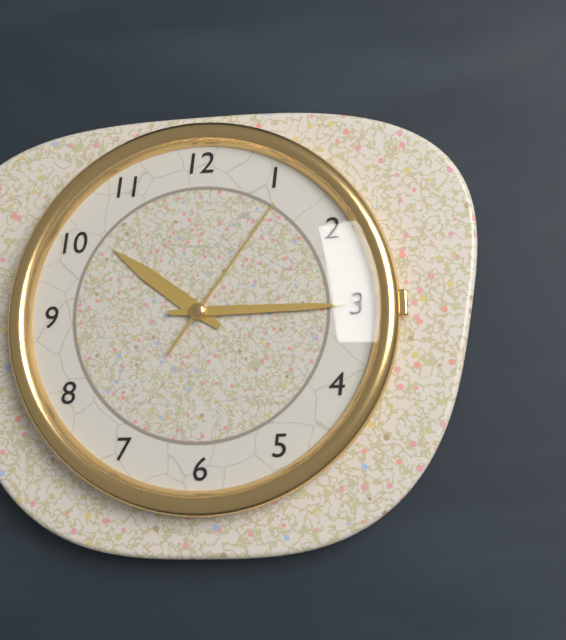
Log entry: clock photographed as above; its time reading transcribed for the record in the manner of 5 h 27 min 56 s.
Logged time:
10 h 15 min 06 s
